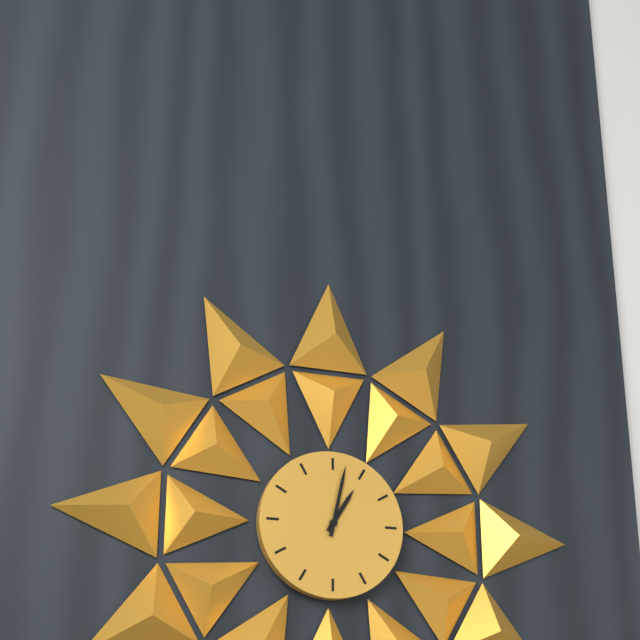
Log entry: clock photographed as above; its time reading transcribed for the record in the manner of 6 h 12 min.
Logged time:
1 h 02 min
